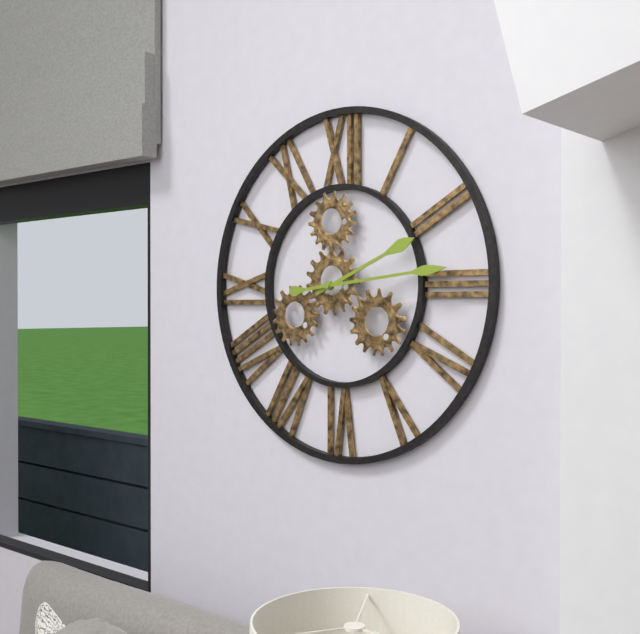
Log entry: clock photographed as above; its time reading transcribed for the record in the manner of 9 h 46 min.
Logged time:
2 h 14 min
